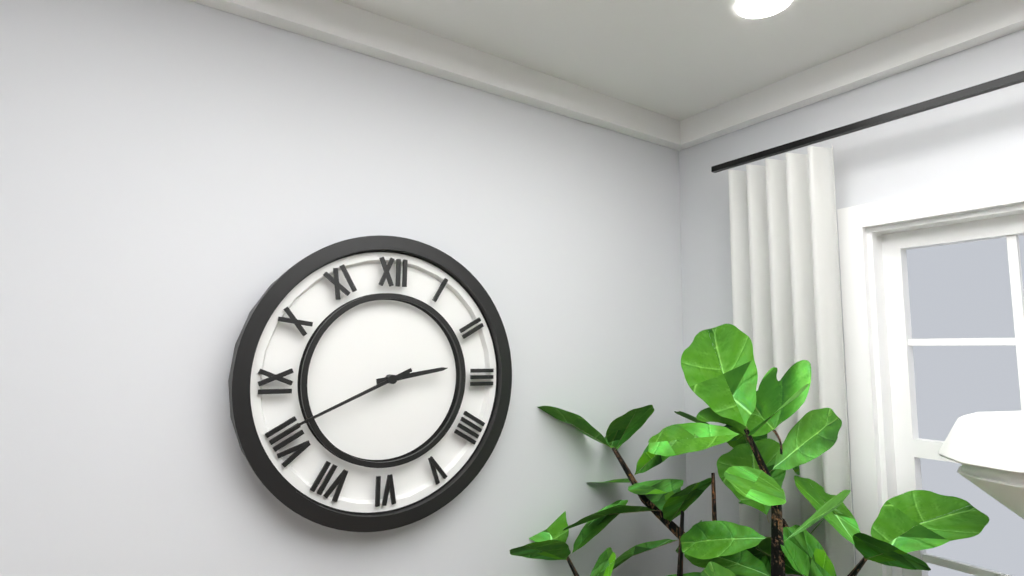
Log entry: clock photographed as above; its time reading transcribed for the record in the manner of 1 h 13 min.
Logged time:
2 h 41 min
